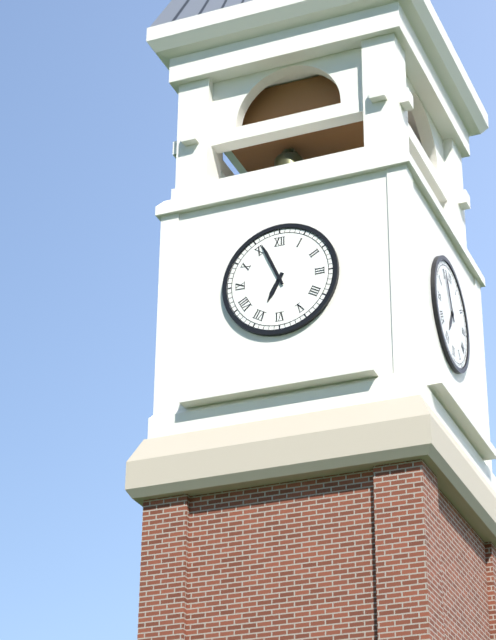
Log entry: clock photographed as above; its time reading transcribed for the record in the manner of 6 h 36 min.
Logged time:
6 h 56 min
